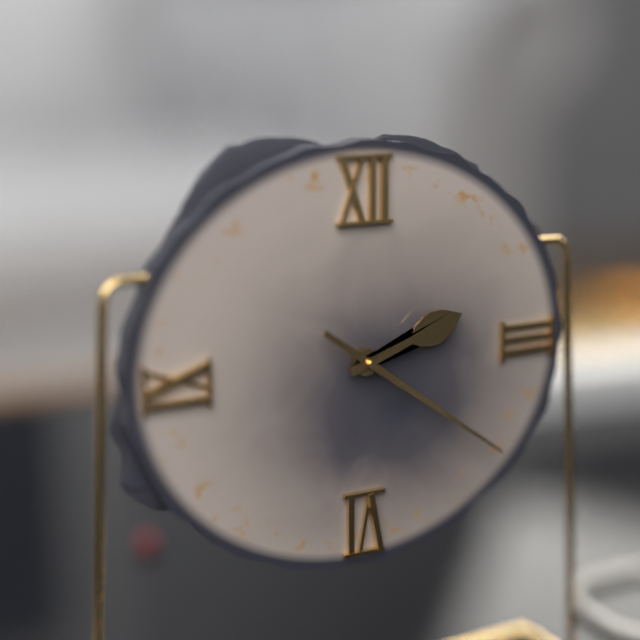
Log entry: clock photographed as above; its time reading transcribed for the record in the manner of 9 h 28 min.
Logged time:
2 h 21 min
